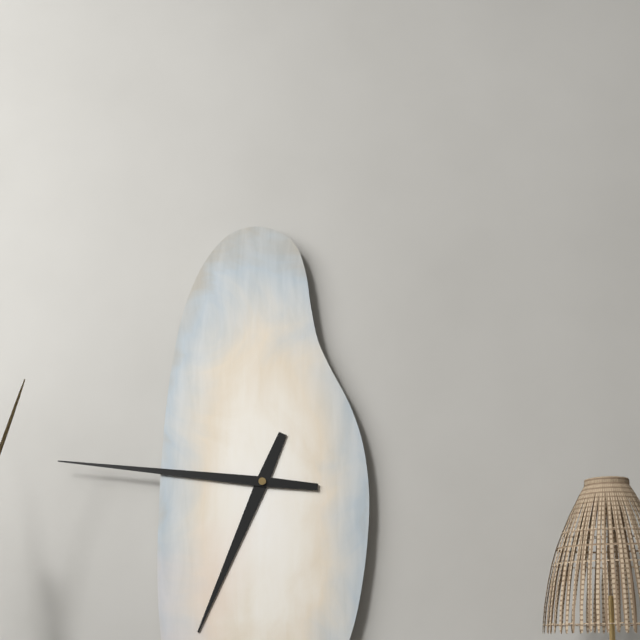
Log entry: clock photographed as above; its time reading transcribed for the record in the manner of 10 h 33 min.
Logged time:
6 h 46 min
